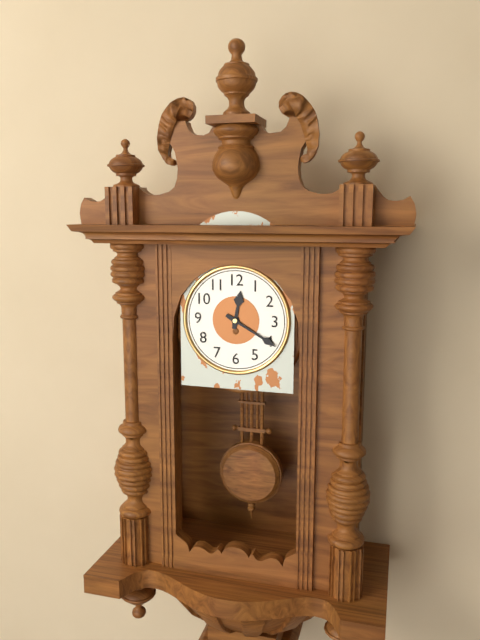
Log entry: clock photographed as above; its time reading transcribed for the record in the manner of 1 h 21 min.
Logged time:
12 h 20 min
